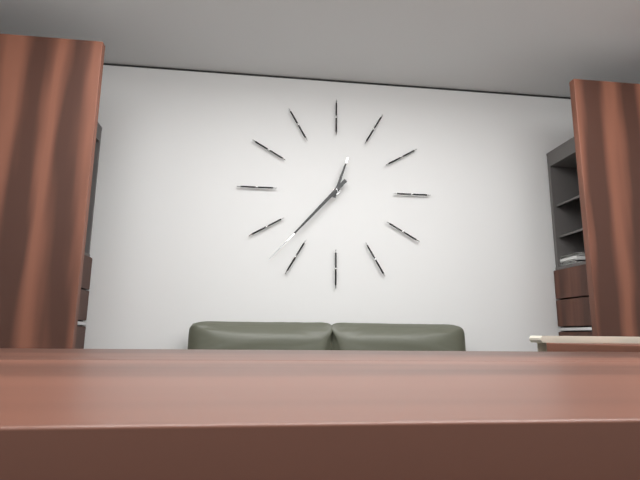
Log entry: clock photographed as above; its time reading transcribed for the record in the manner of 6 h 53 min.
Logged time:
12 h 37 min
